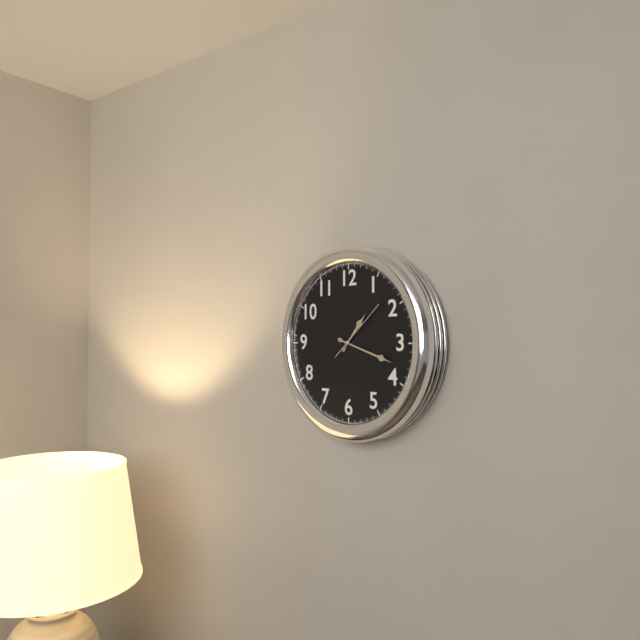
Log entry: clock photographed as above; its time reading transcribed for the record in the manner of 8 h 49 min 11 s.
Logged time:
1 h 18 min 08 s
